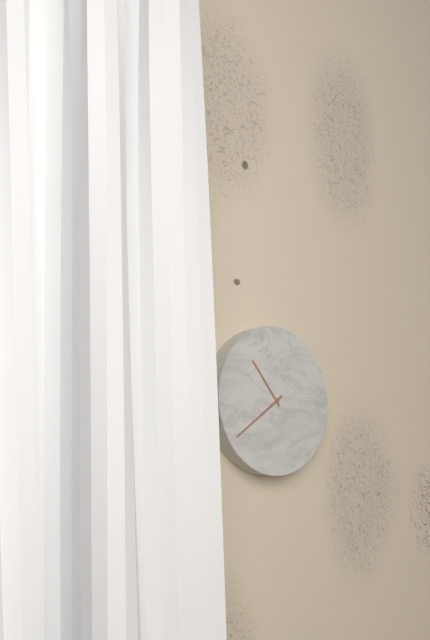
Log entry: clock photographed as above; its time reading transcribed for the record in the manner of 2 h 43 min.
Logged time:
10 h 39 min
